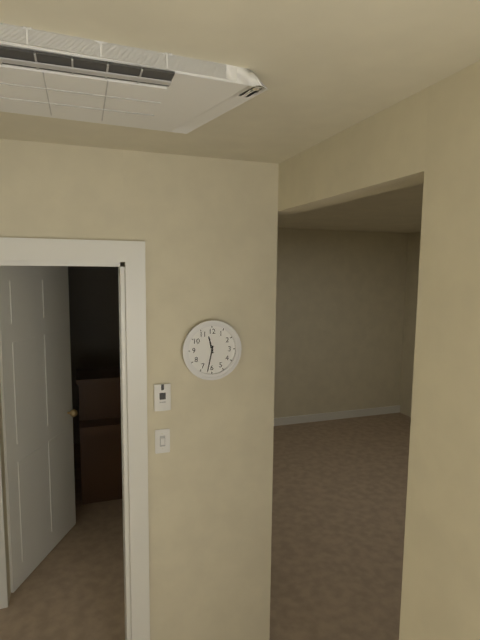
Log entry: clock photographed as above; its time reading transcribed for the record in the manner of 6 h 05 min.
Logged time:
11 h 32 min
